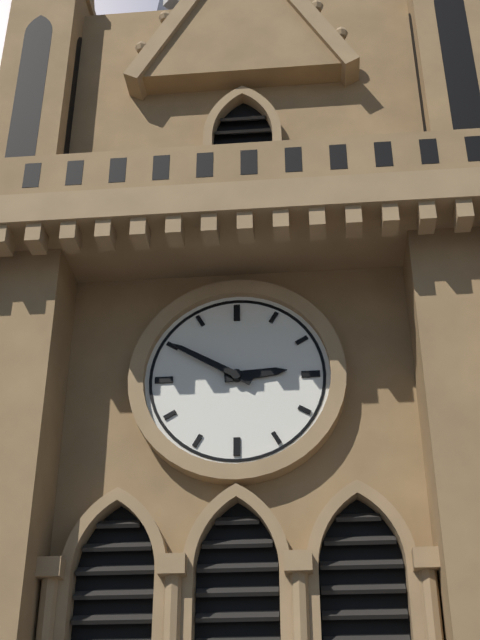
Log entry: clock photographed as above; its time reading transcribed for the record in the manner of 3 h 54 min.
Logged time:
2 h 50 min
